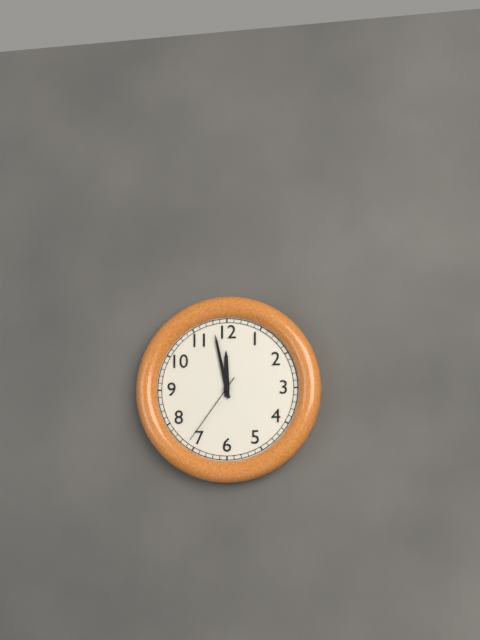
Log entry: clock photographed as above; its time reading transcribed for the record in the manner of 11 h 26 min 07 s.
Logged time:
11 h 58 min 36 s
